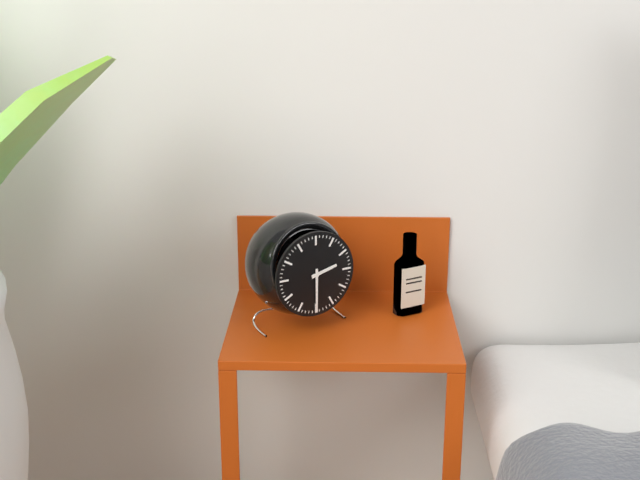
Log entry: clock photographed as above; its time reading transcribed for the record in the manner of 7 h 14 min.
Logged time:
2 h 30 min
